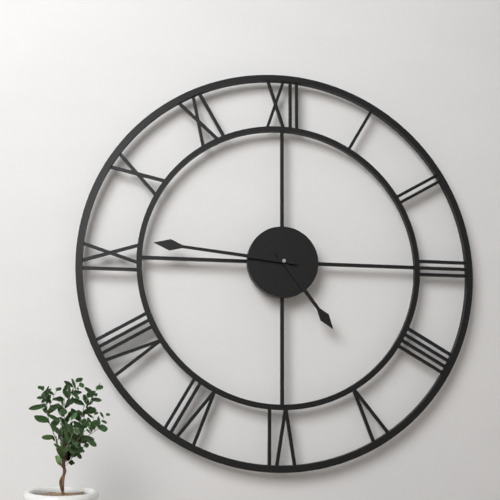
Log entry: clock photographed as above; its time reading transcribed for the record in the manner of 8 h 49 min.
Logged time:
4 h 46 min
